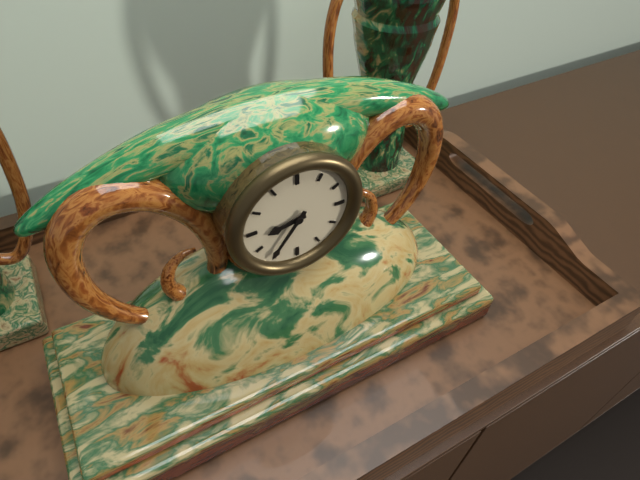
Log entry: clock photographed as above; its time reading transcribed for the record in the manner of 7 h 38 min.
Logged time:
8 h 36 min
